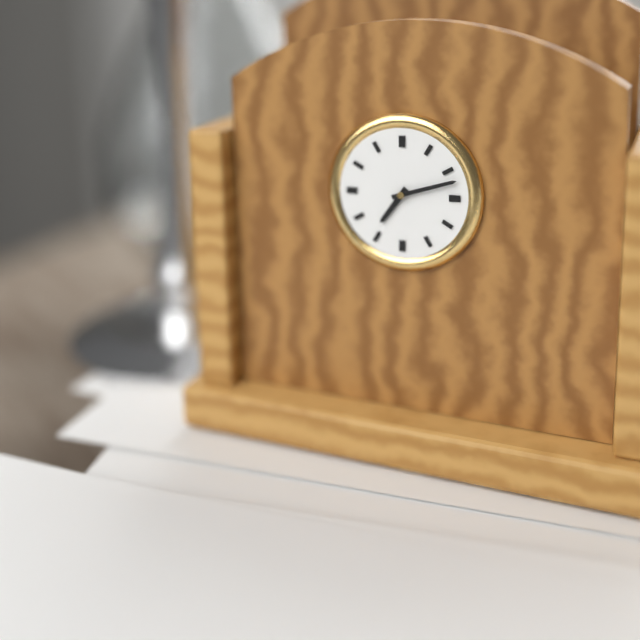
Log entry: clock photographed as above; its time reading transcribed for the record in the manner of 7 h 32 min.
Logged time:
7 h 12 min
